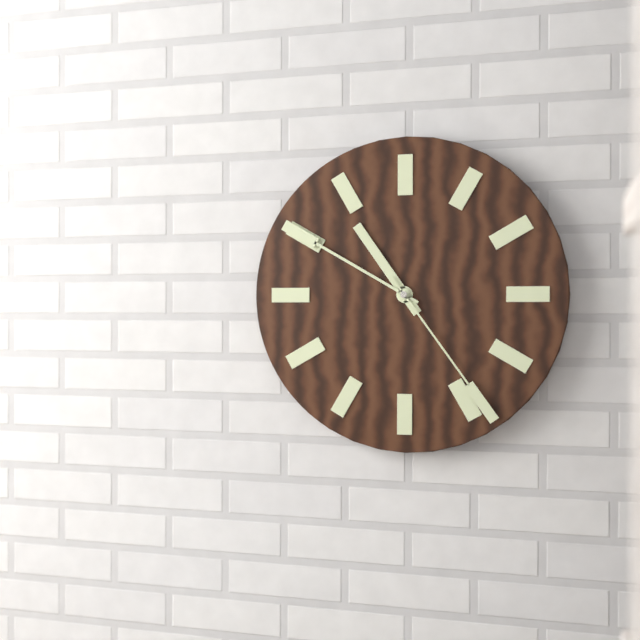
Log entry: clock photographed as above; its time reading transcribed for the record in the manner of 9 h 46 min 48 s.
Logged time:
10 h 50 min 24 s
